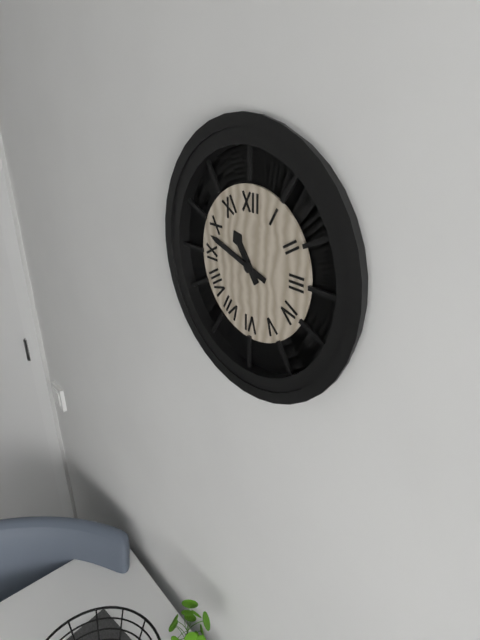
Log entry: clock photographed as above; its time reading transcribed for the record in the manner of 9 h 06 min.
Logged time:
10 h 48 min
